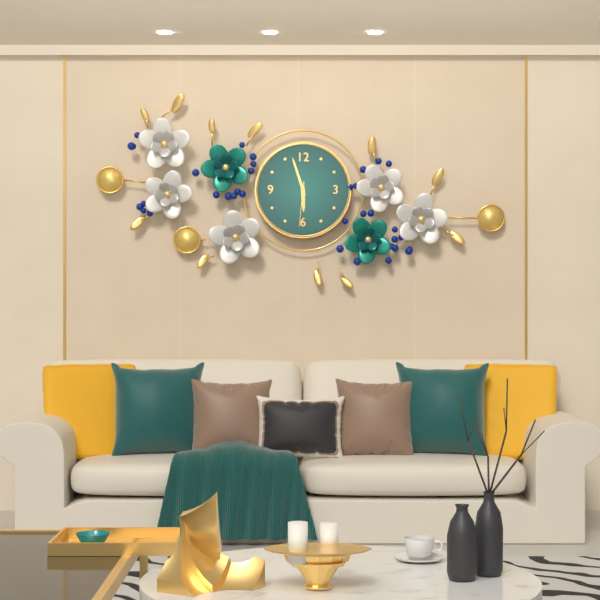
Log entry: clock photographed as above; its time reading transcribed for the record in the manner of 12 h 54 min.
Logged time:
5 h 57 min
